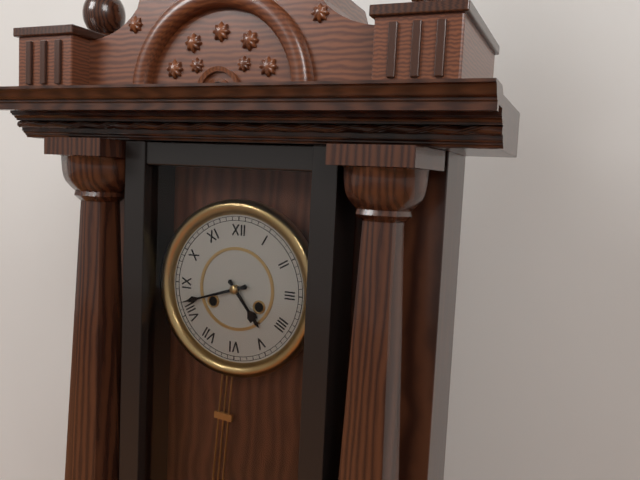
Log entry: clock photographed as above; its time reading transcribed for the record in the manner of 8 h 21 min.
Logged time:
4 h 42 min
